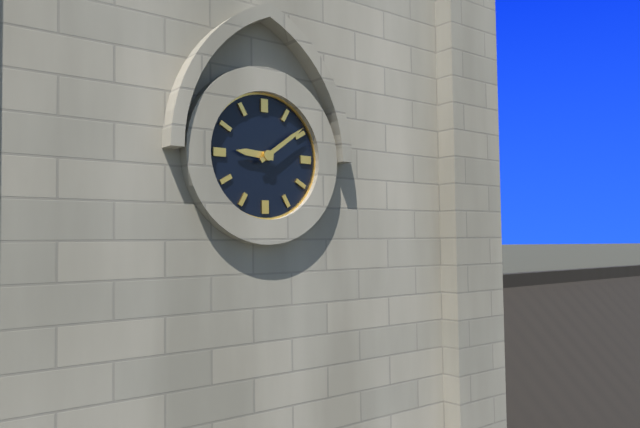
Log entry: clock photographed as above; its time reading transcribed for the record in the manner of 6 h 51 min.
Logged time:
9 h 09 min
